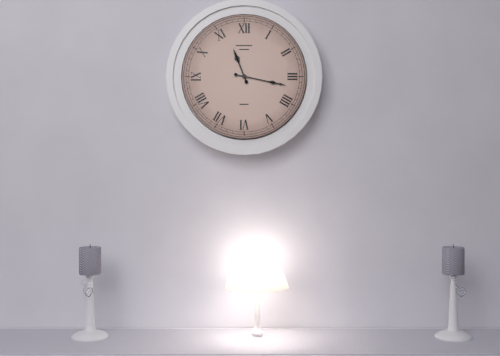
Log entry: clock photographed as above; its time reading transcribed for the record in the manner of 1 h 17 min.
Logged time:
11 h 17 min
